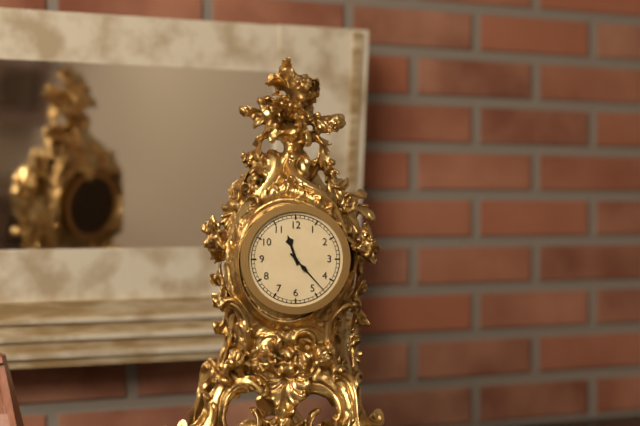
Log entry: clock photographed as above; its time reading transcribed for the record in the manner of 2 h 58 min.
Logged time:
11 h 23 min
